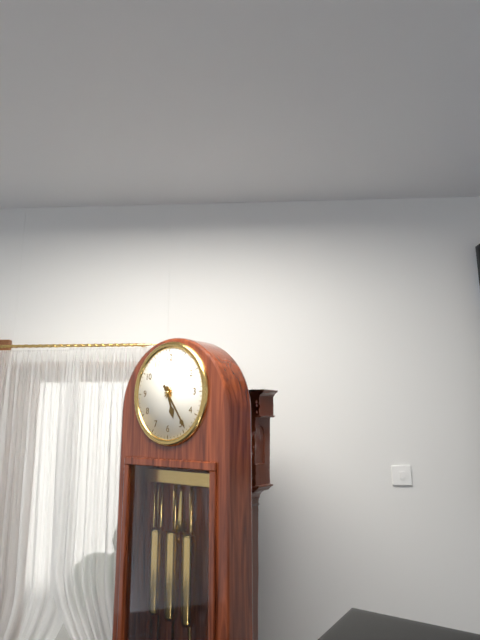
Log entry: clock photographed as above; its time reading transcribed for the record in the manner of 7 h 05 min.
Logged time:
5 h 24 min
